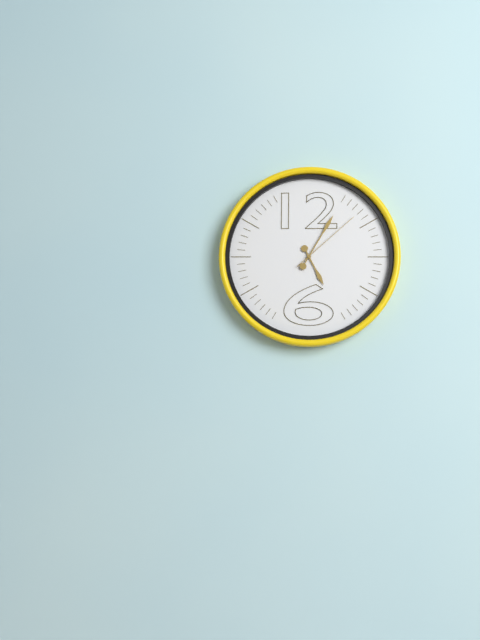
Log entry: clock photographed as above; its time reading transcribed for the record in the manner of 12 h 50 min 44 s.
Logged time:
5 h 05 min 08 s
